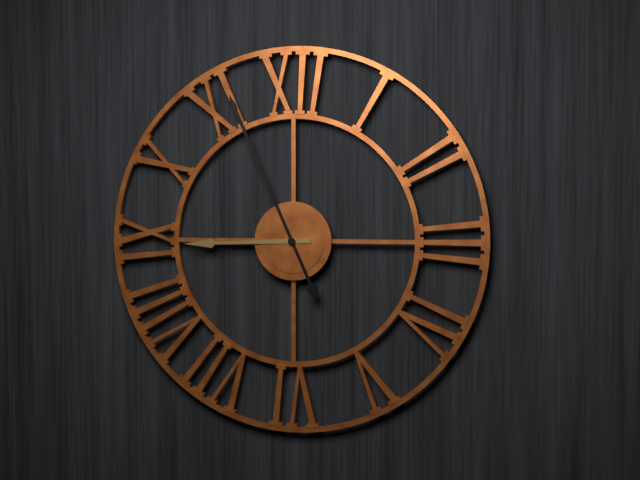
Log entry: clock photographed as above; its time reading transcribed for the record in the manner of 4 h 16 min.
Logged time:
8 h 56 min
